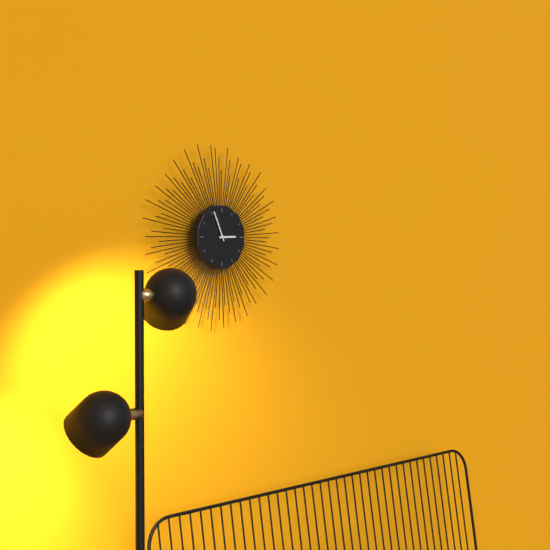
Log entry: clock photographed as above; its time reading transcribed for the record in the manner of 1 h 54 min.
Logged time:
2 h 56 min
